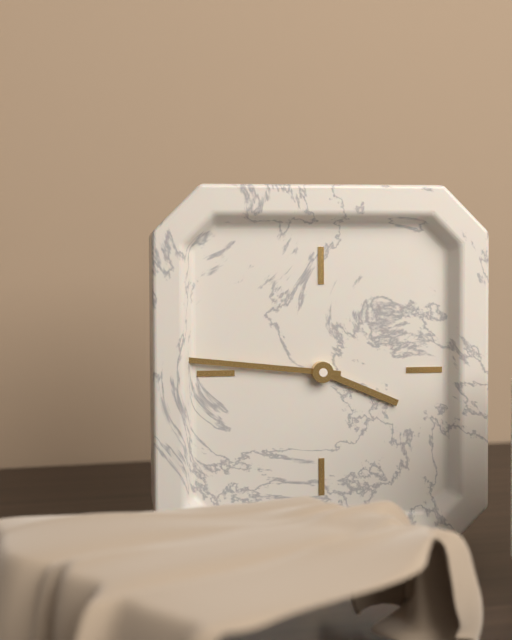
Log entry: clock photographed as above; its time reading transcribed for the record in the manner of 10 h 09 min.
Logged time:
3 h 46 min
